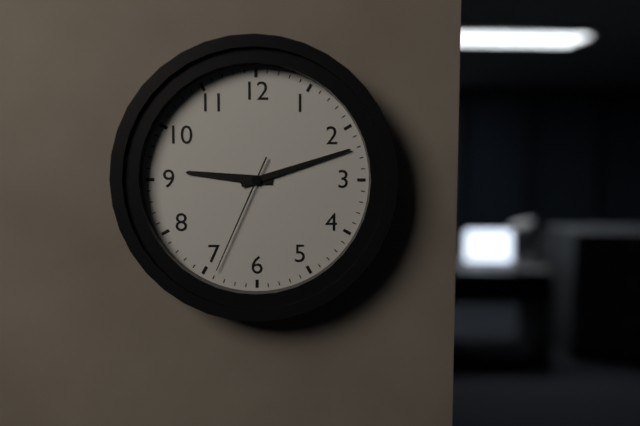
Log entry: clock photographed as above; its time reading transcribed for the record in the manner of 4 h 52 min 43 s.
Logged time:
9 h 12 min 34 s
